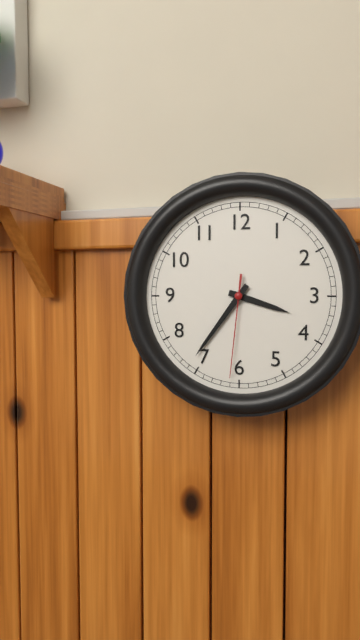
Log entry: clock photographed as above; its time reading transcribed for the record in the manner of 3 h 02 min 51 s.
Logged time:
3 h 36 min 31 s
